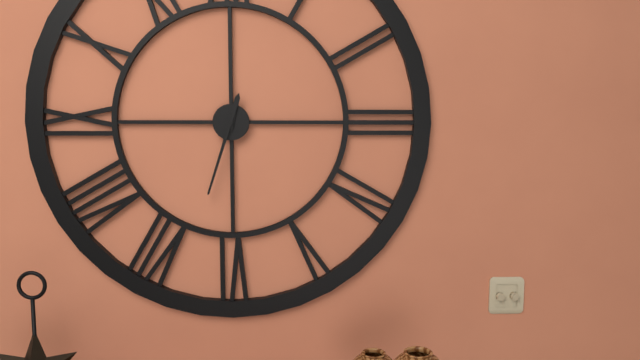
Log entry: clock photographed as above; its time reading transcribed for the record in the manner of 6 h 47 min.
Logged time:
12 h 33 min
